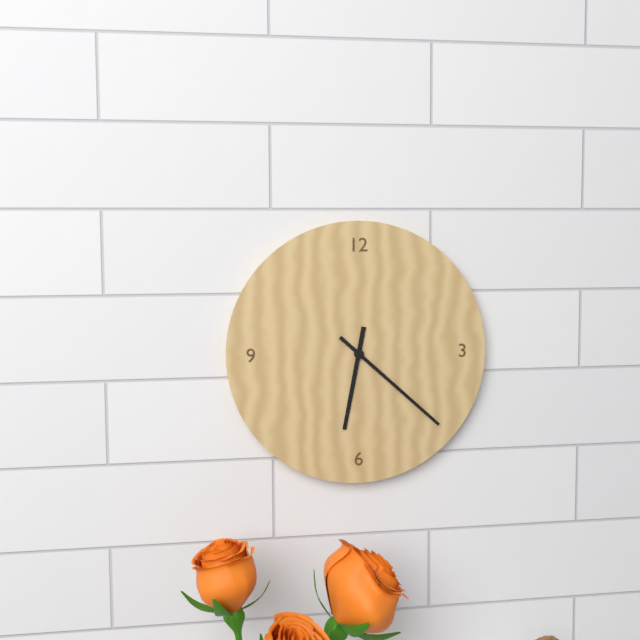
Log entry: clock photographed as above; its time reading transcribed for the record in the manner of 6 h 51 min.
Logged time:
6 h 22 min
